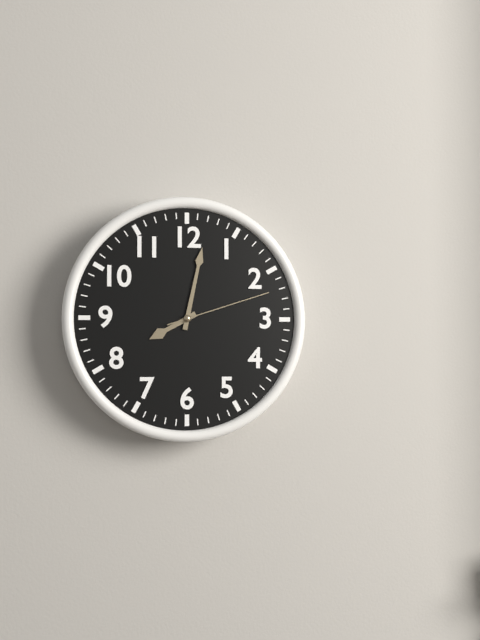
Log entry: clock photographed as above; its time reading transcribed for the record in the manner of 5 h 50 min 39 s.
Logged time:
8 h 02 min 12 s
